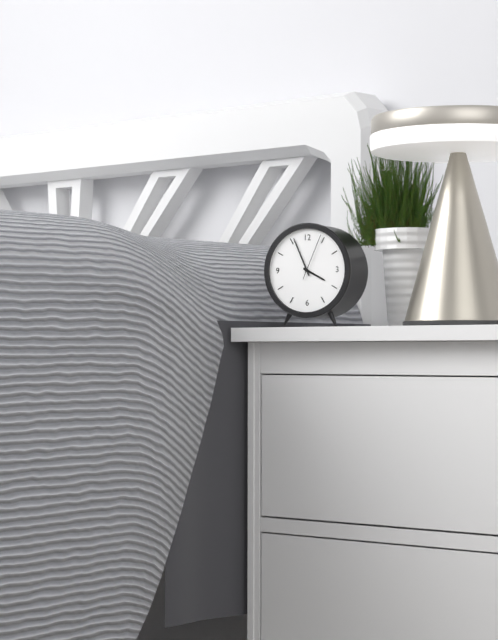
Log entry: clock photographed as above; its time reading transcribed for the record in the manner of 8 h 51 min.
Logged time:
3 h 56 min
